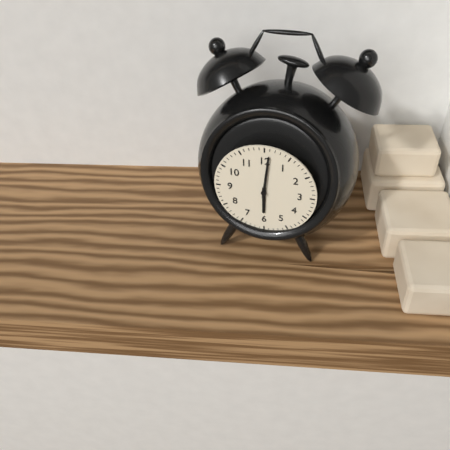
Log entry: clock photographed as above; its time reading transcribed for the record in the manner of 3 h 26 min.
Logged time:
6 h 01 min
